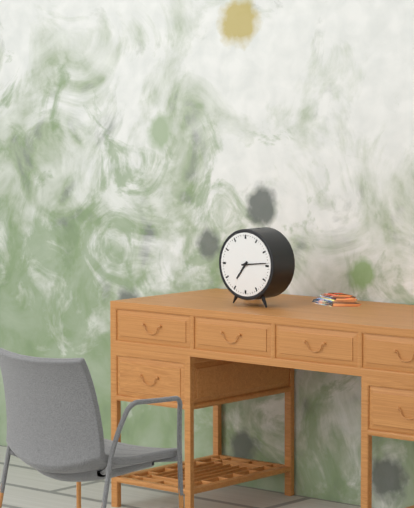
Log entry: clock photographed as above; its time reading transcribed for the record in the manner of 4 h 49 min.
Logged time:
7 h 14 min
